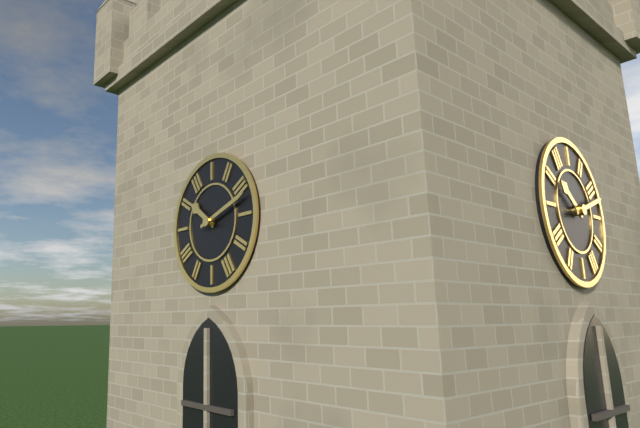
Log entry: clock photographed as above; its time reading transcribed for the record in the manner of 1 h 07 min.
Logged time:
10 h 12 min
